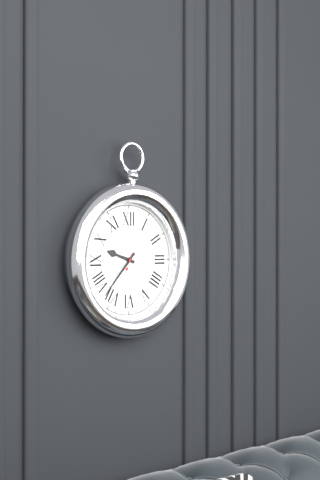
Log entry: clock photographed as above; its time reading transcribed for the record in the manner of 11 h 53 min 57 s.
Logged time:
9 h 37 min 04 s
